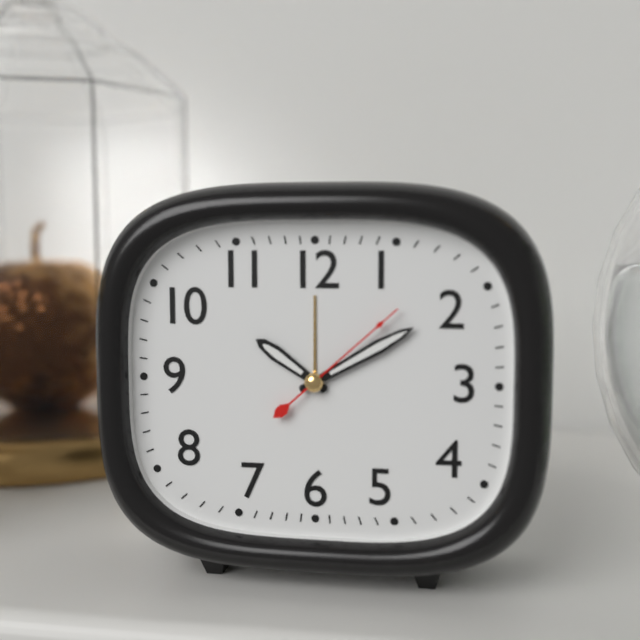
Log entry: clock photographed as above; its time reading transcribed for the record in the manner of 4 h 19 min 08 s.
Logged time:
10 h 10 min 08 s
